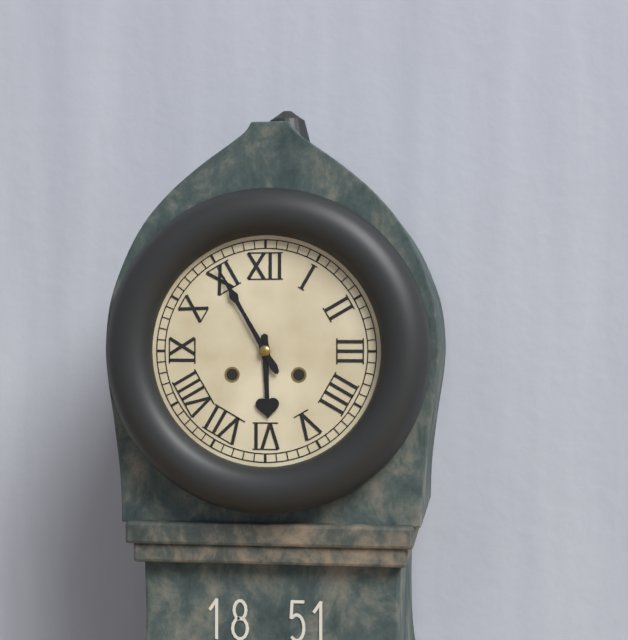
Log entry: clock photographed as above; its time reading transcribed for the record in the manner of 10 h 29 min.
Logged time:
5 h 55 min
